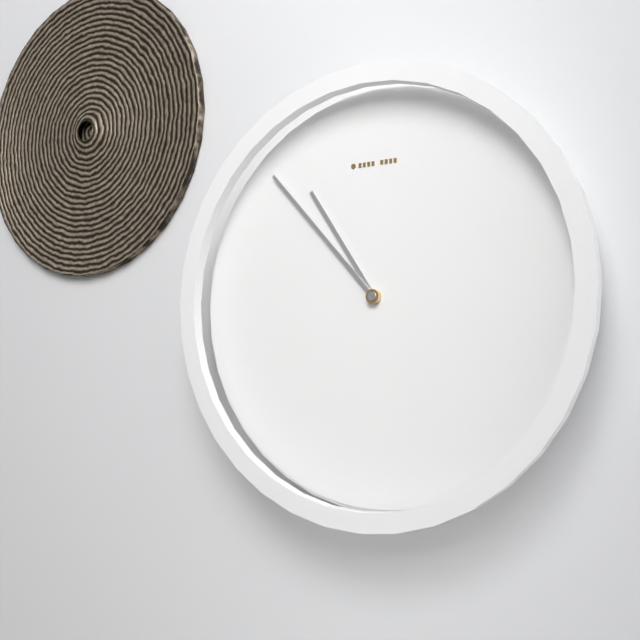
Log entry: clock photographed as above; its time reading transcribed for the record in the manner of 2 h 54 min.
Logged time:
10 h 53 min
